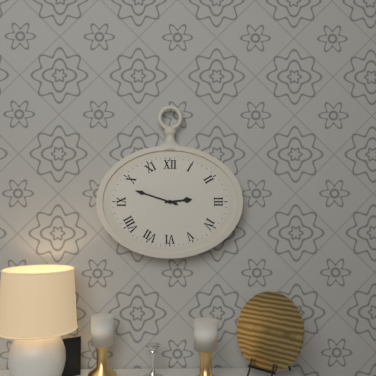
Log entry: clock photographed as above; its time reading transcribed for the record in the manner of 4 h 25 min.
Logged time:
2 h 48 min
